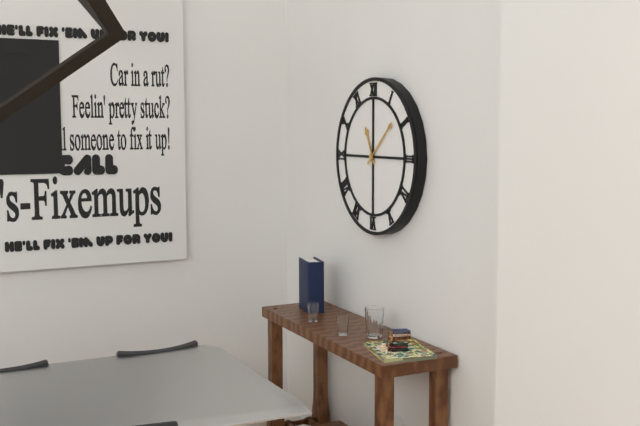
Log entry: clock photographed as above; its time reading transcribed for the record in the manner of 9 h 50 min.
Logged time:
11 h 08 min
